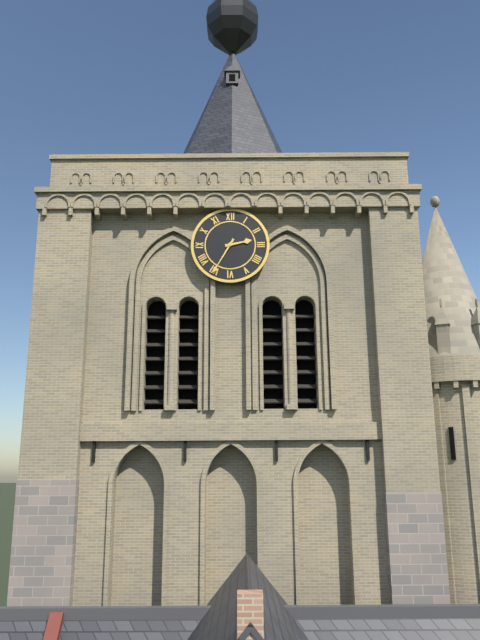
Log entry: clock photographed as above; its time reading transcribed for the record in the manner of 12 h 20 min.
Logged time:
2 h 35 min
